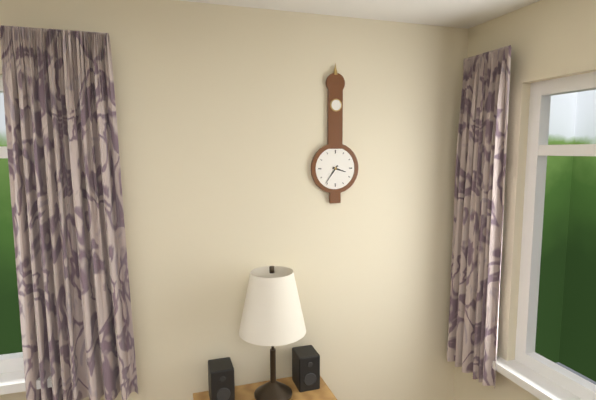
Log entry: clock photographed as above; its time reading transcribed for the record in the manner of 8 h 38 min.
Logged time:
3 h 36 min
